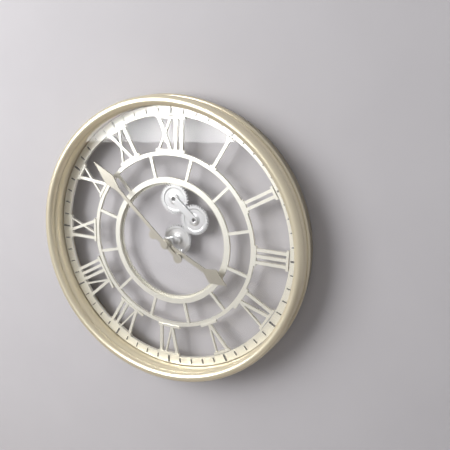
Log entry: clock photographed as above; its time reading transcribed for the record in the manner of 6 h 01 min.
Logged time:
3 h 52 min
